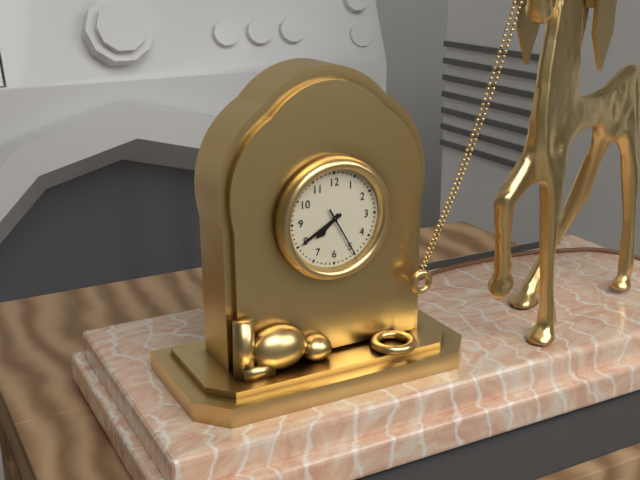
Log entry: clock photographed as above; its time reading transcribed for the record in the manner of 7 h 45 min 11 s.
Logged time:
7 h 40 min 25 s
